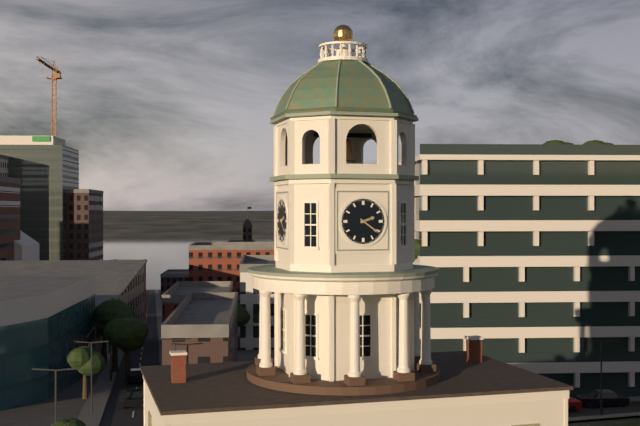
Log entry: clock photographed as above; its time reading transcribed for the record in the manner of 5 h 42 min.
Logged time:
2 h 21 min
